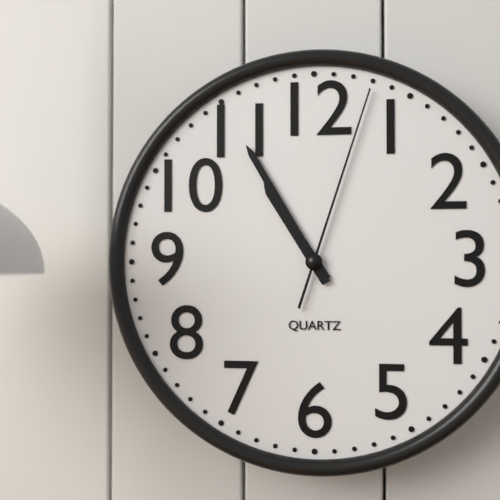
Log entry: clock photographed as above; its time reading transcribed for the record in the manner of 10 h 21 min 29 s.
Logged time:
10 h 55 min 03 s
